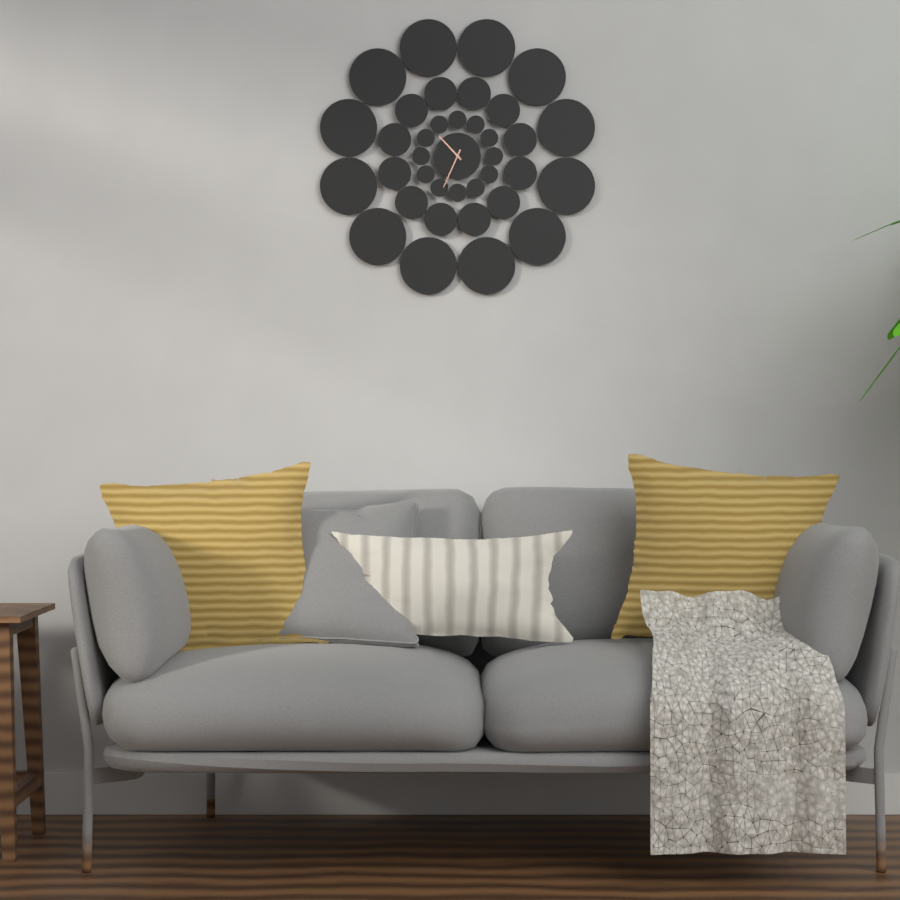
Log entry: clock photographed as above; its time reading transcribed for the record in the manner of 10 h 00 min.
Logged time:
10 h 34 min
